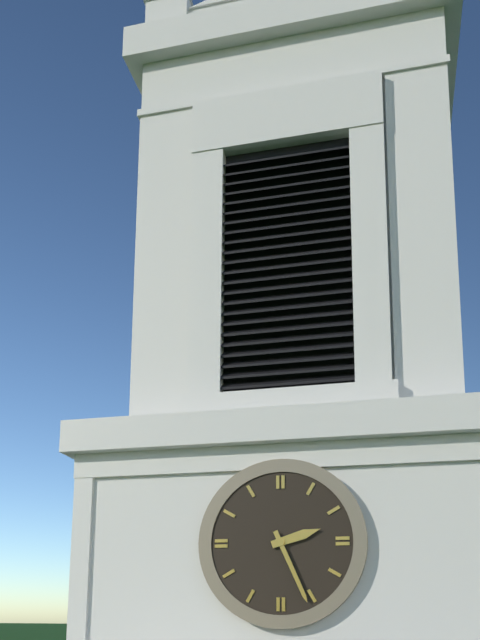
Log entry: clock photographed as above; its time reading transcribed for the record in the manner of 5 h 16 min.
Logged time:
2 h 26 min
